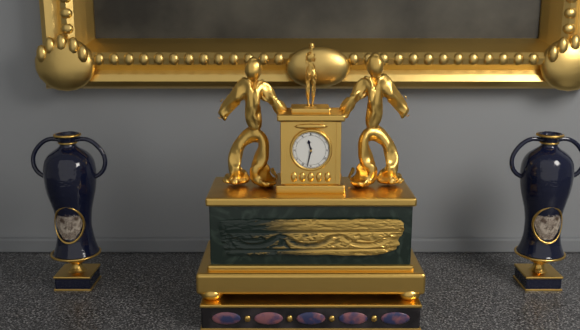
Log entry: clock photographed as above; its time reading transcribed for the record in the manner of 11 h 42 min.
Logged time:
11 h 32 min
